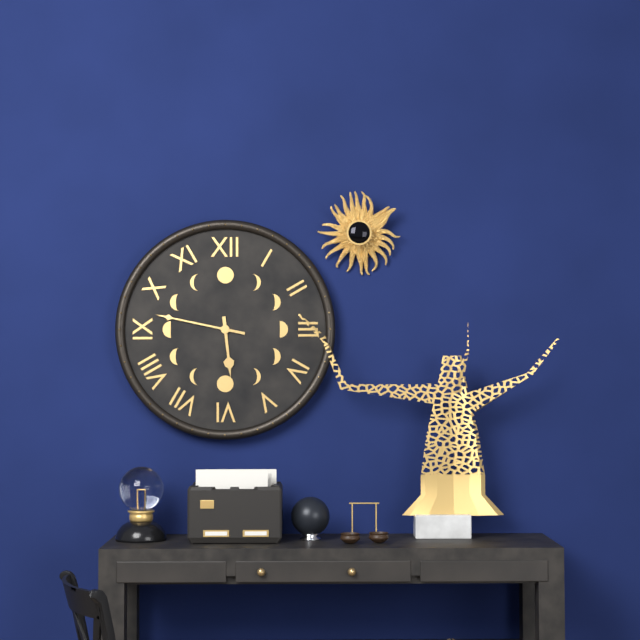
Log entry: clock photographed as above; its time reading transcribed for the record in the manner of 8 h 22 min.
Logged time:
5 h 47 min
